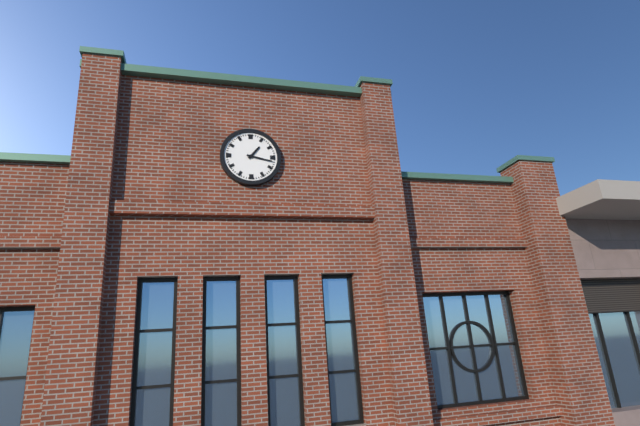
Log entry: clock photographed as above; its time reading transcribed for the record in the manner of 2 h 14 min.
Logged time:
1 h 17 min
